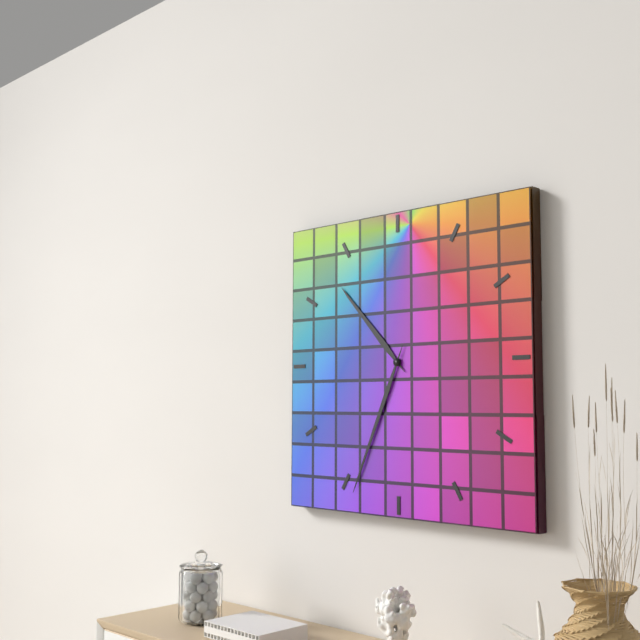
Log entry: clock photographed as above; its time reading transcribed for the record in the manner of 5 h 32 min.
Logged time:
10 h 34 min
